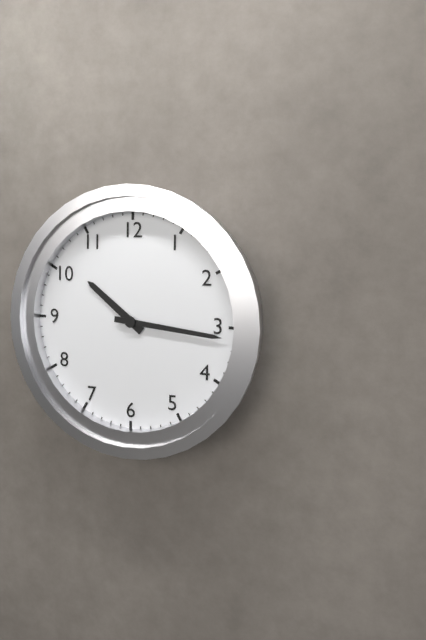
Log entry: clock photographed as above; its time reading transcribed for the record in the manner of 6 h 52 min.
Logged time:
10 h 16 min
